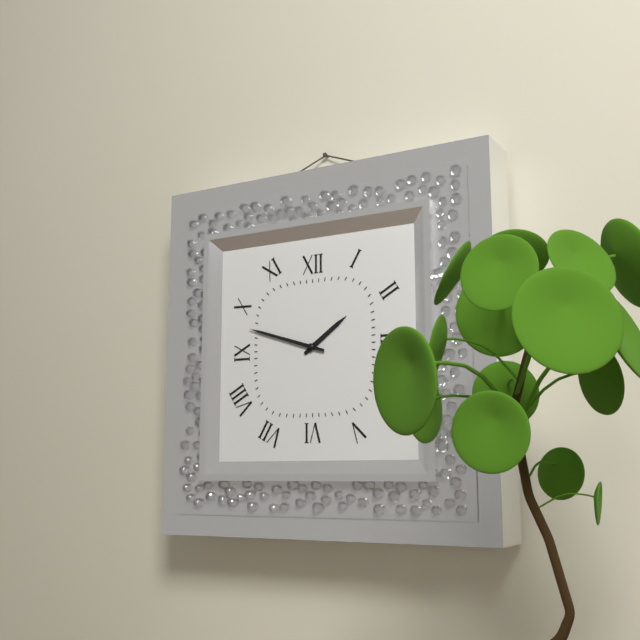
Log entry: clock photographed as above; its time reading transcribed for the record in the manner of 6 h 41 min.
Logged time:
1 h 48 min
